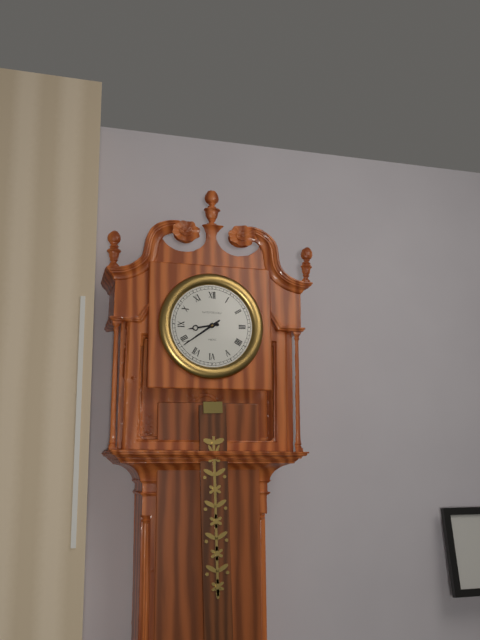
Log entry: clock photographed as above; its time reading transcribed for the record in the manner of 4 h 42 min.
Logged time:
8 h 39 min
